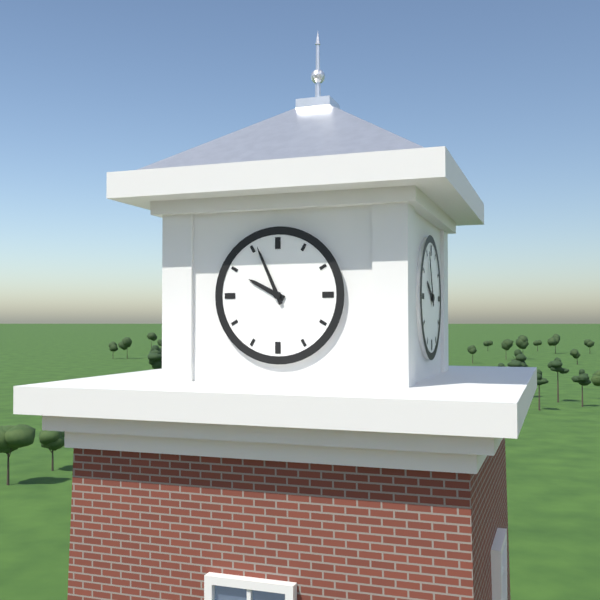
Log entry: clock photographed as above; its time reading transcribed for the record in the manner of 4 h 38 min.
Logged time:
9 h 56 min
